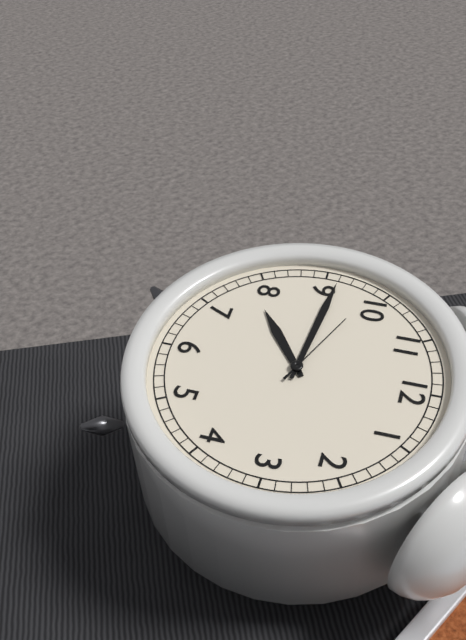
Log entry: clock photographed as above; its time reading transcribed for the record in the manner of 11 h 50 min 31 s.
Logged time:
7 h 46 min 49 s
